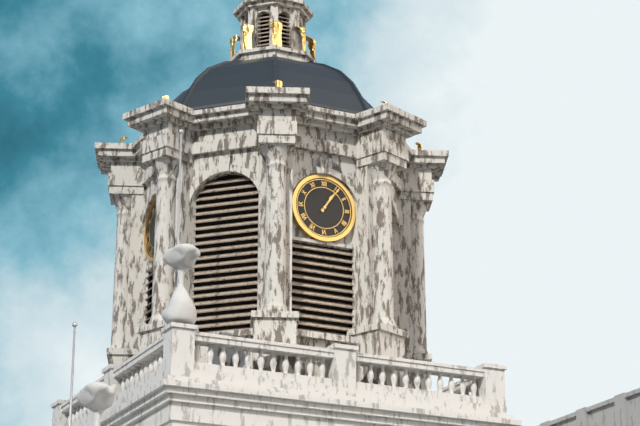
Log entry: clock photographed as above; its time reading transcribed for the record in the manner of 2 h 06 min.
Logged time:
1 h 06 min
